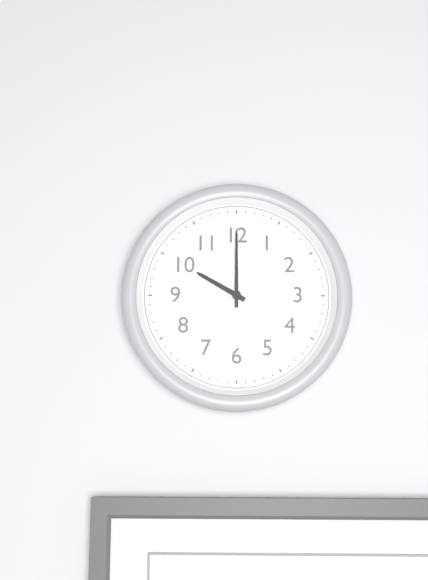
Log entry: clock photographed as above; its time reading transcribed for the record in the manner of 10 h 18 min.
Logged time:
10 h 00 min
